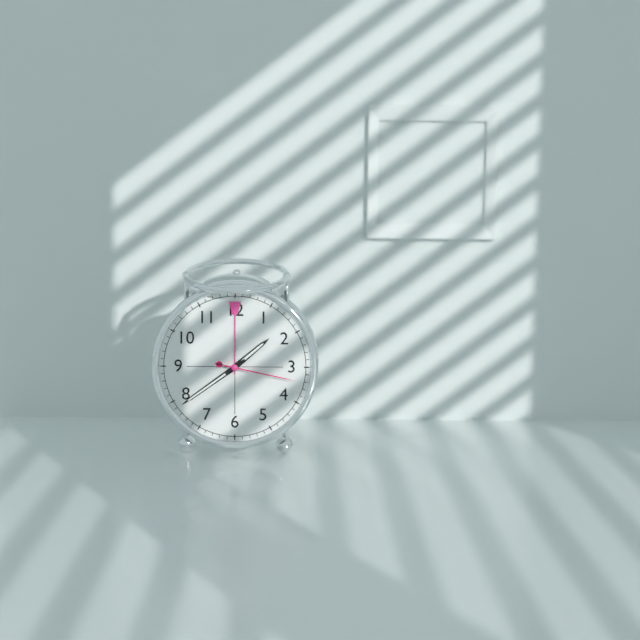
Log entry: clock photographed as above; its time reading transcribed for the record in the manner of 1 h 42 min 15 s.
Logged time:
1 h 39 min 17 s
